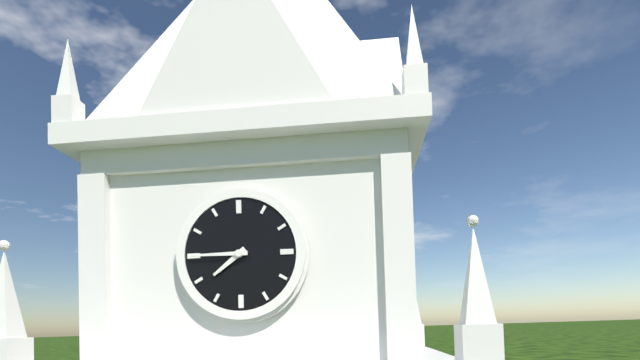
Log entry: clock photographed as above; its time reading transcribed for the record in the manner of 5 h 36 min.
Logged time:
7 h 45 min
